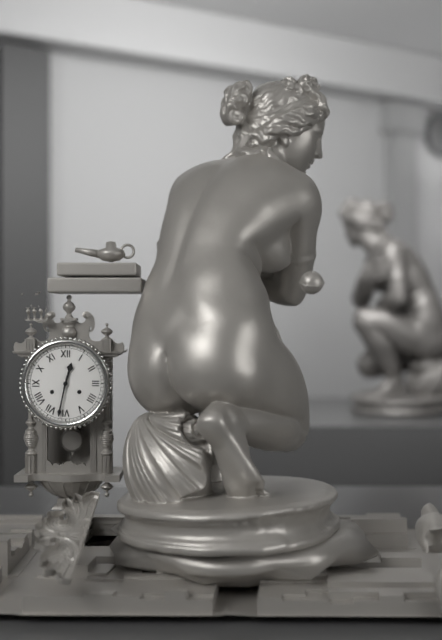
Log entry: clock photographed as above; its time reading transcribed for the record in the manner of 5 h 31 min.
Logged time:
12 h 32 min
